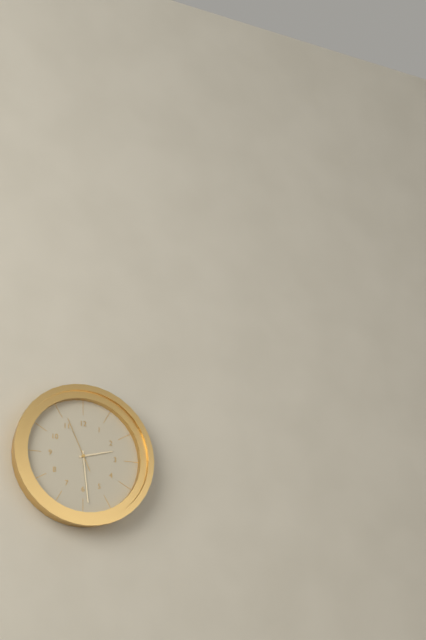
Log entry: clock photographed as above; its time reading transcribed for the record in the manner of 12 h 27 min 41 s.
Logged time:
2 h 29 min 56 s
